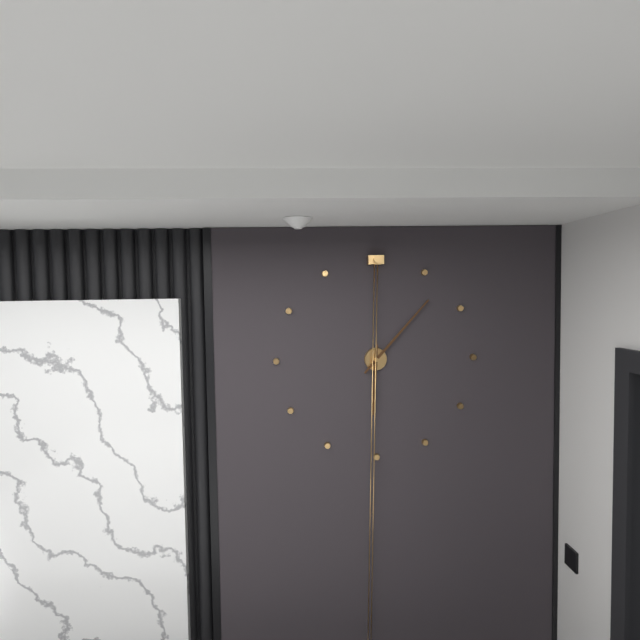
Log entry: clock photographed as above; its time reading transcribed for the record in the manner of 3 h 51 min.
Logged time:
6 h 07 min
